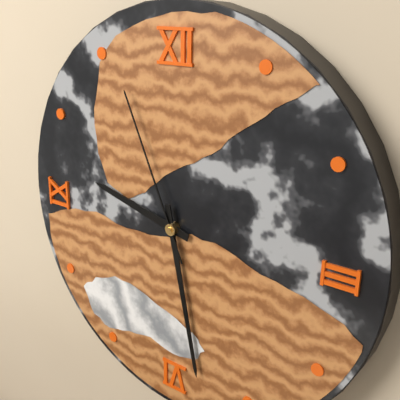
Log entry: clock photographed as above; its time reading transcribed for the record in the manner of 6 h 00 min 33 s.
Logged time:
9 h 28 min 56 s
